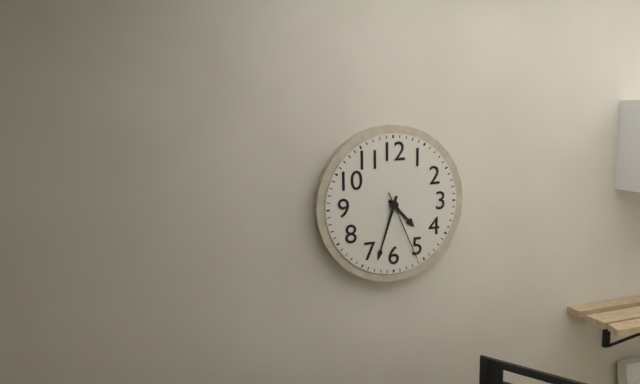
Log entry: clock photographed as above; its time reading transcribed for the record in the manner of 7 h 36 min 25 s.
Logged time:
4 h 33 min 26 s
